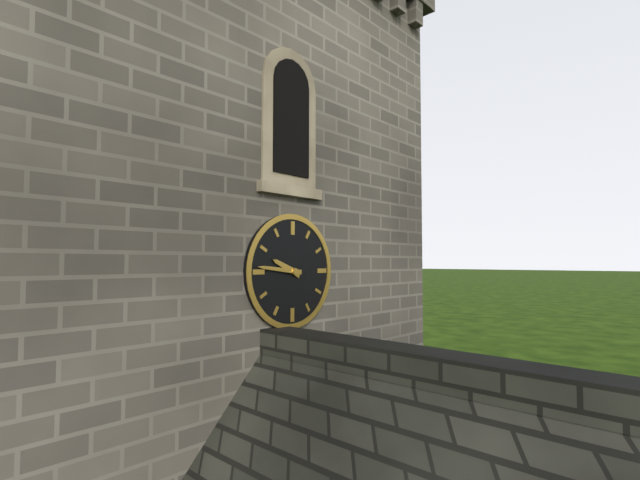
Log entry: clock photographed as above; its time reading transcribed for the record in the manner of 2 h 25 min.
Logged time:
9 h 46 min
